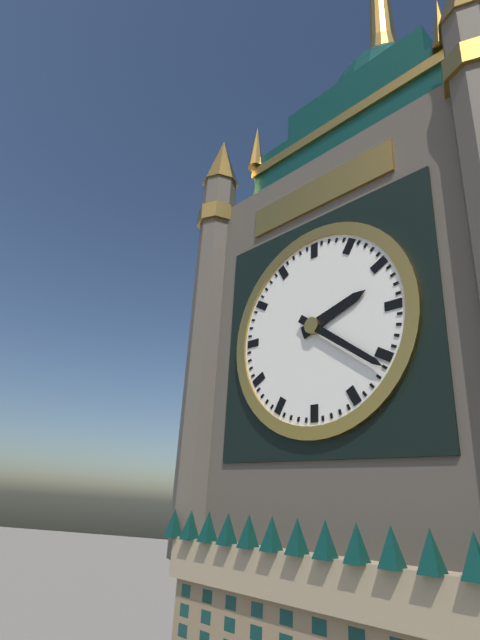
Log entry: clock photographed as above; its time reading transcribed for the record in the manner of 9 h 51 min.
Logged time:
2 h 21 min
